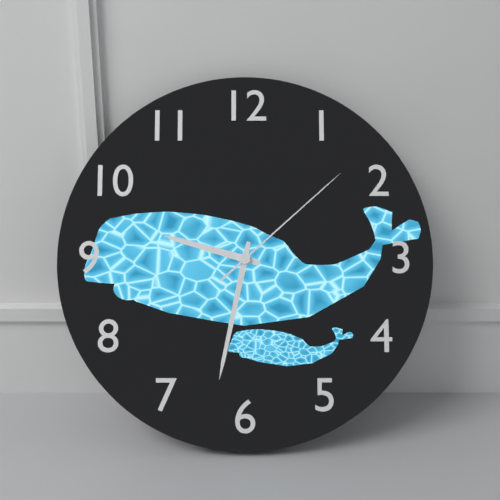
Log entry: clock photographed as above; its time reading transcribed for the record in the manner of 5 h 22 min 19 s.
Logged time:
9 h 32 min 08 s
